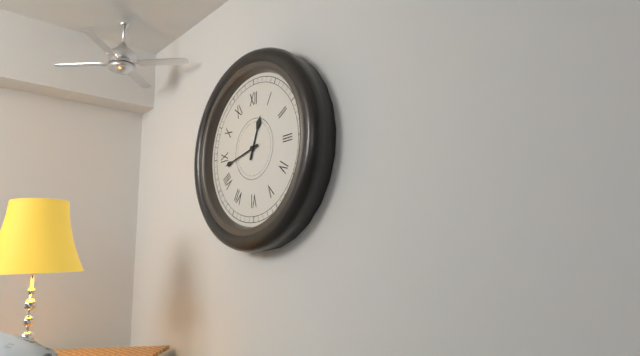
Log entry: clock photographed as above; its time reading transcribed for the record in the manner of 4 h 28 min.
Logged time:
12 h 43 min
